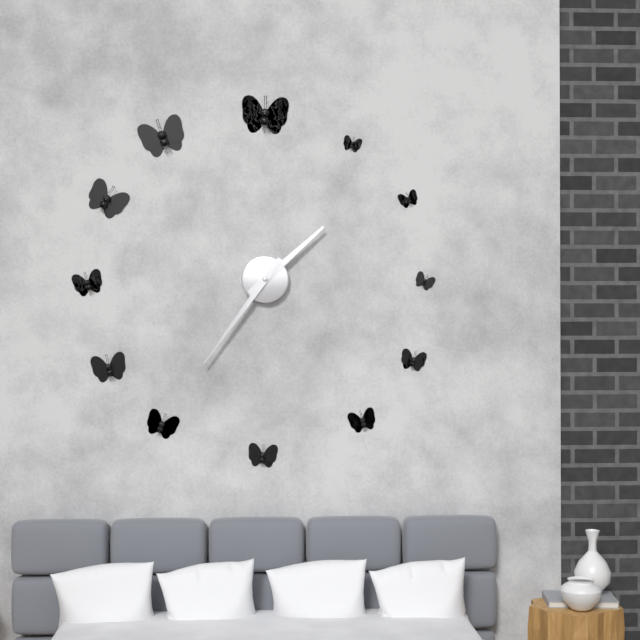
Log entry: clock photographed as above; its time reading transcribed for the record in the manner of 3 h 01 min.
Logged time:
1 h 36 min
